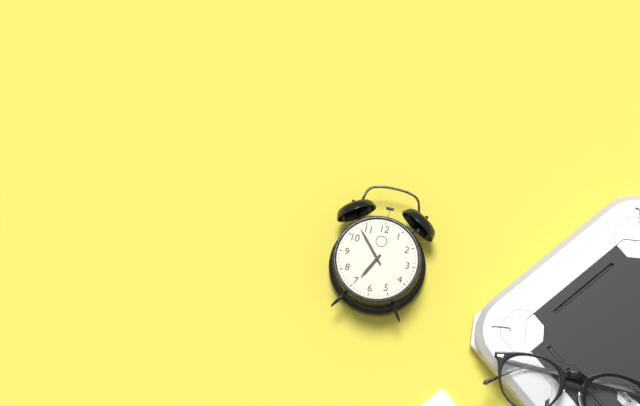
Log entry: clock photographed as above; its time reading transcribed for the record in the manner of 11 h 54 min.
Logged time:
6 h 53 min
